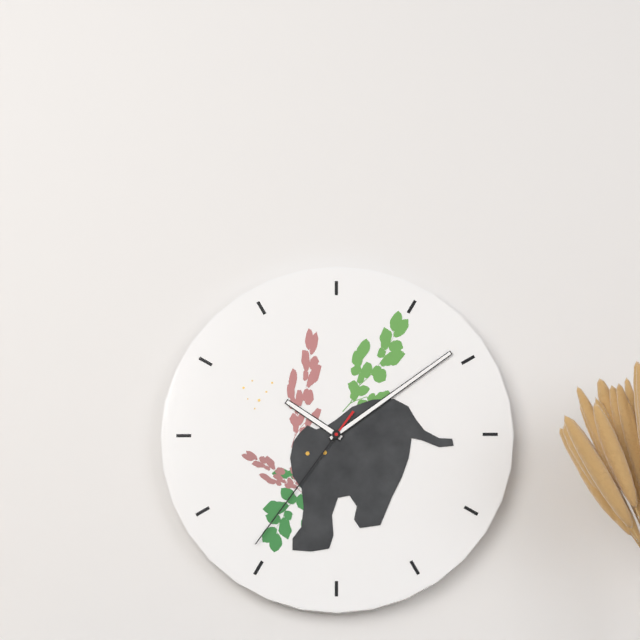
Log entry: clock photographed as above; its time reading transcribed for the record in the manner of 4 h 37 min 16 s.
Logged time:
10 h 09 min 36 s
